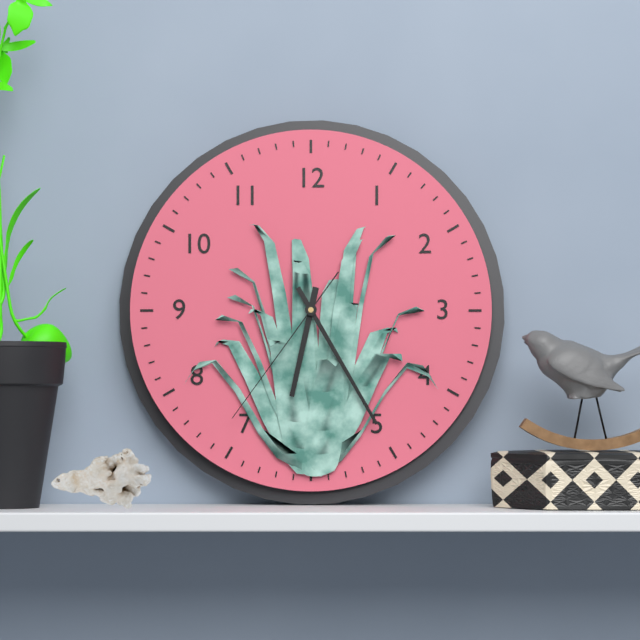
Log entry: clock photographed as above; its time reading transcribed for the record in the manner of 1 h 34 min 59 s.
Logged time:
6 h 25 min 36 s
